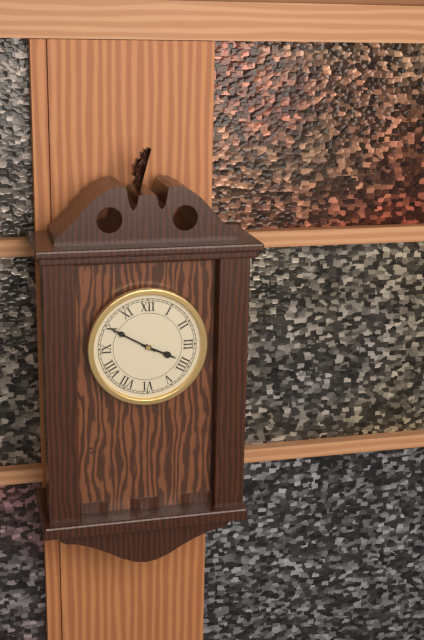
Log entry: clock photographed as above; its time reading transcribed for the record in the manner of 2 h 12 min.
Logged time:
3 h 50 min
